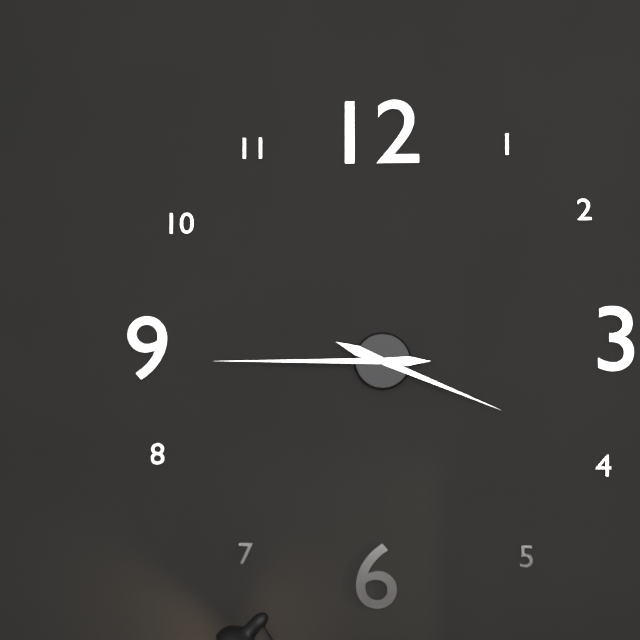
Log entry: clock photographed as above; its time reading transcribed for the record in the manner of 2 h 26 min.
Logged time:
3 h 45 min
